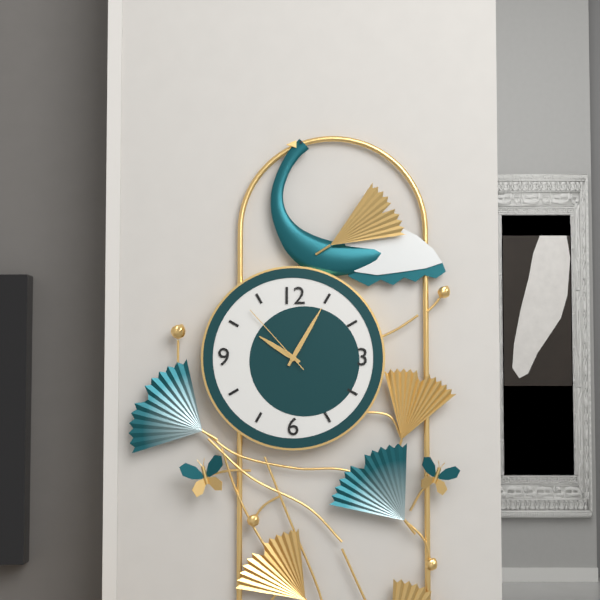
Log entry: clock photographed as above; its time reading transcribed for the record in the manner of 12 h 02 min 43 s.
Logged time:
10 h 05 min 53 s
